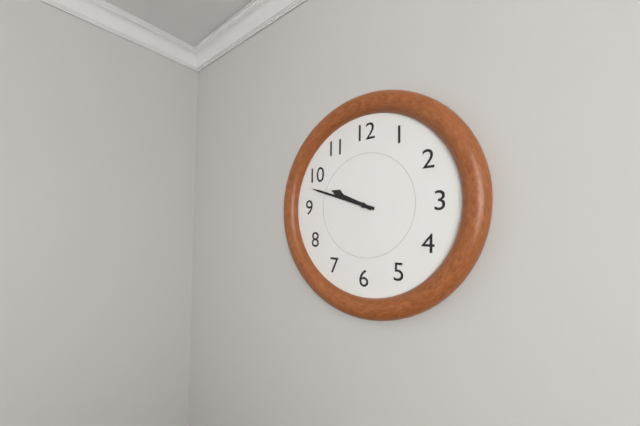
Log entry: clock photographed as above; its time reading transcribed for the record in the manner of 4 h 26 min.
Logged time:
9 h 48 min
